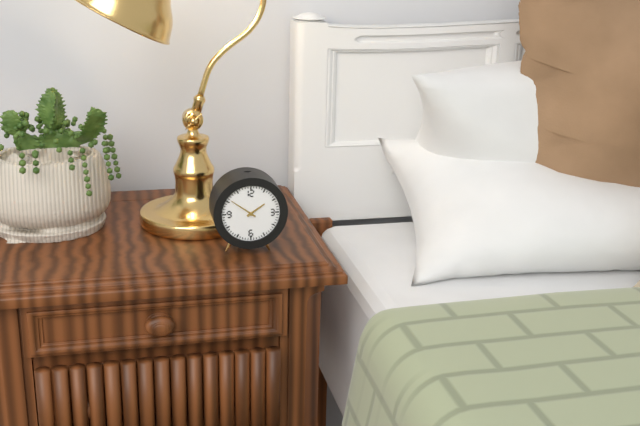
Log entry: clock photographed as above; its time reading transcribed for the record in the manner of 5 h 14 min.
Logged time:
1 h 51 min
